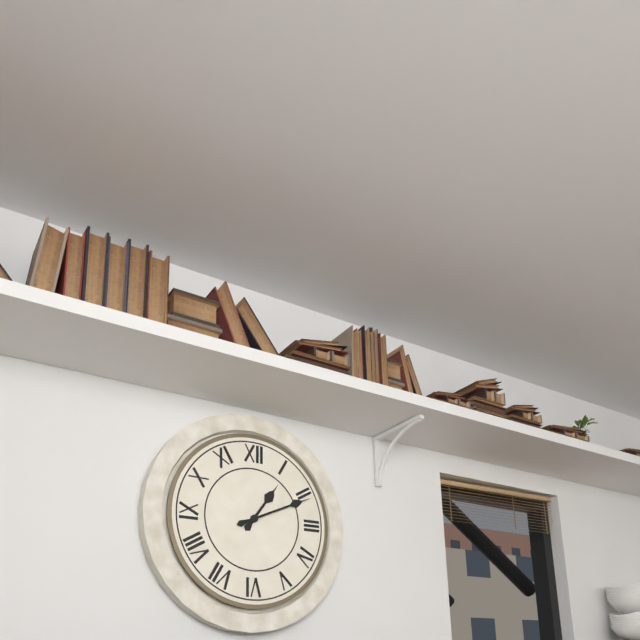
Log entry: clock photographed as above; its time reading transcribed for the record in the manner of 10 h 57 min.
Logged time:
1 h 11 min
